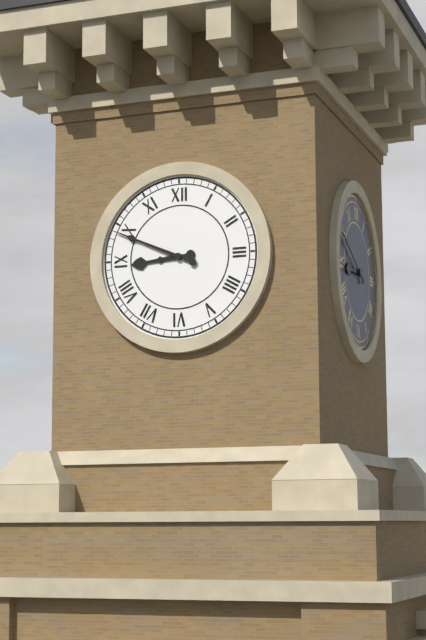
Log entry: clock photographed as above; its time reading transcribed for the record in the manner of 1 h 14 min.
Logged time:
8 h 49 min
